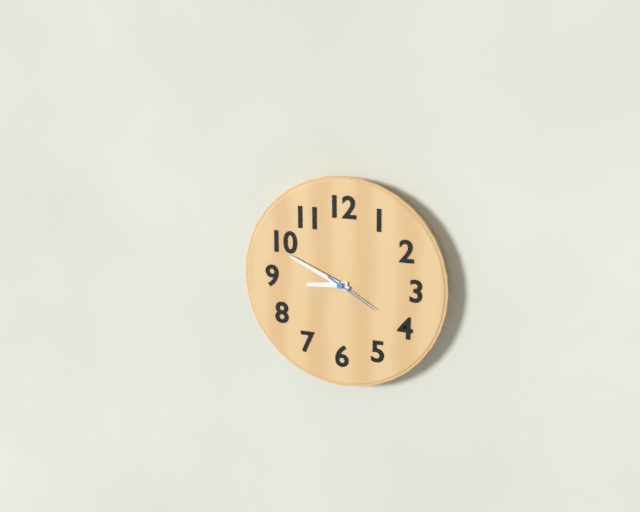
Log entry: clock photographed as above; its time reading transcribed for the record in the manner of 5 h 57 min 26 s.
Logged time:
8 h 49 min 20 s
